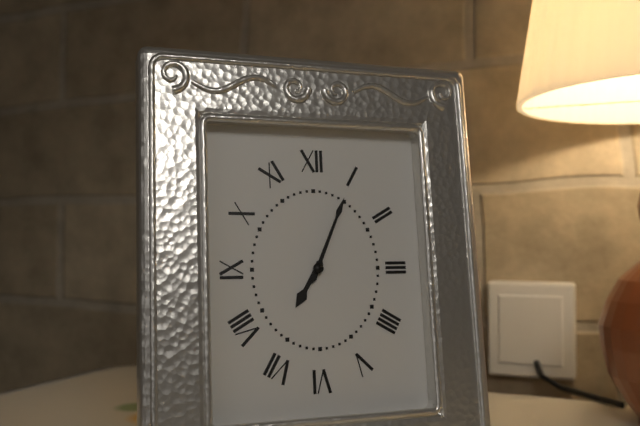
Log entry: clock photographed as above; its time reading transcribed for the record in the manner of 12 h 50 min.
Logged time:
7 h 04 min
